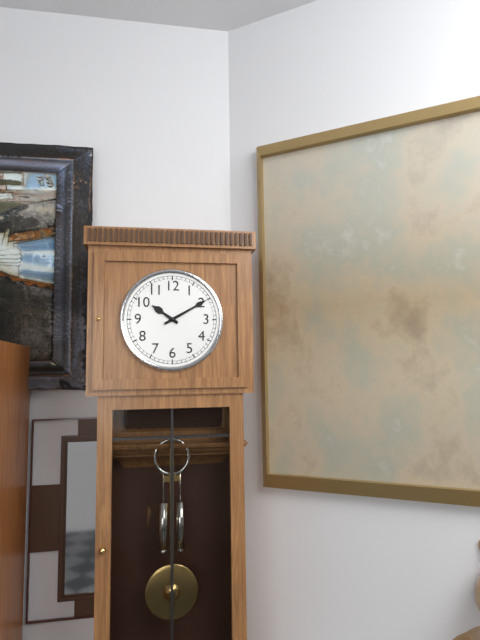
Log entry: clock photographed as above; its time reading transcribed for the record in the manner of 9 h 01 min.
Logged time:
10 h 10 min
